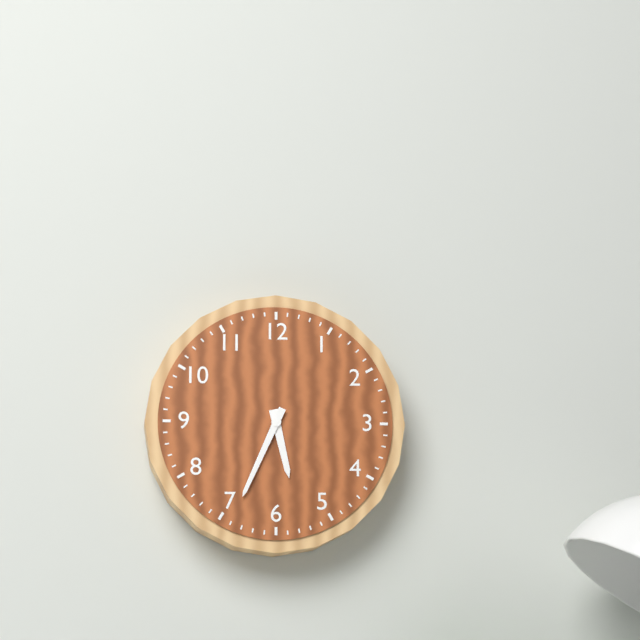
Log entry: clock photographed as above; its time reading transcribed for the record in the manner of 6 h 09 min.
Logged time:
5 h 34 min
